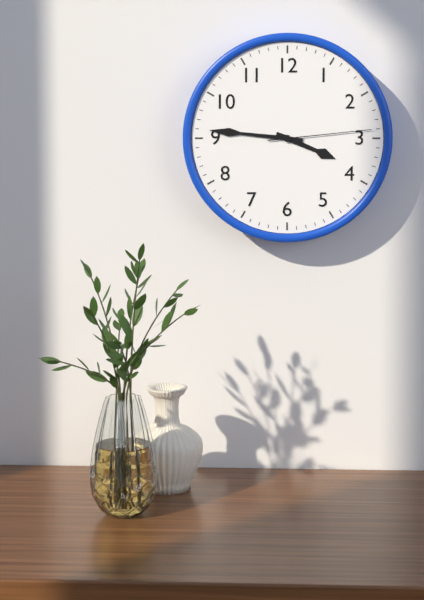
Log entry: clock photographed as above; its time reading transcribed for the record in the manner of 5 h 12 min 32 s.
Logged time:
3 h 46 min 14 s
